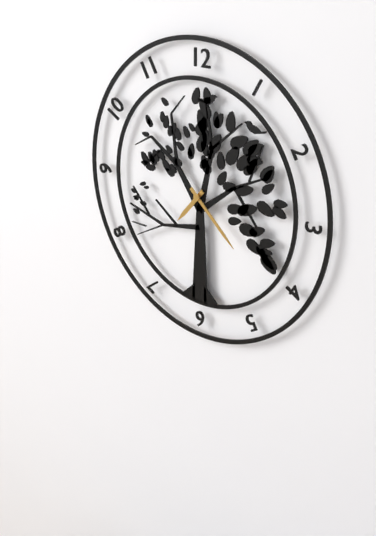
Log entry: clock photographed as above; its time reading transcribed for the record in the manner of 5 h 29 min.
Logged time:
7 h 22 min
